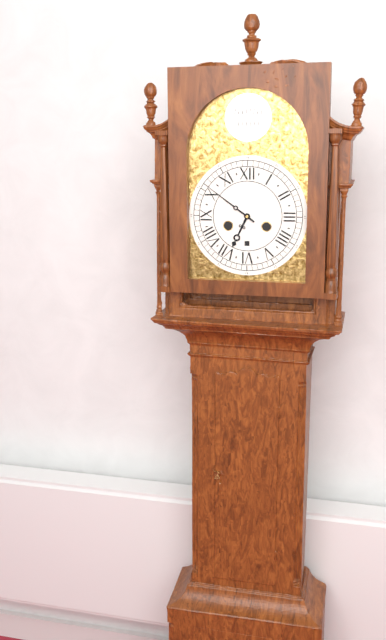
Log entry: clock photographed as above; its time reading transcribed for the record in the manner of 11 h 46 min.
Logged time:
6 h 51 min
